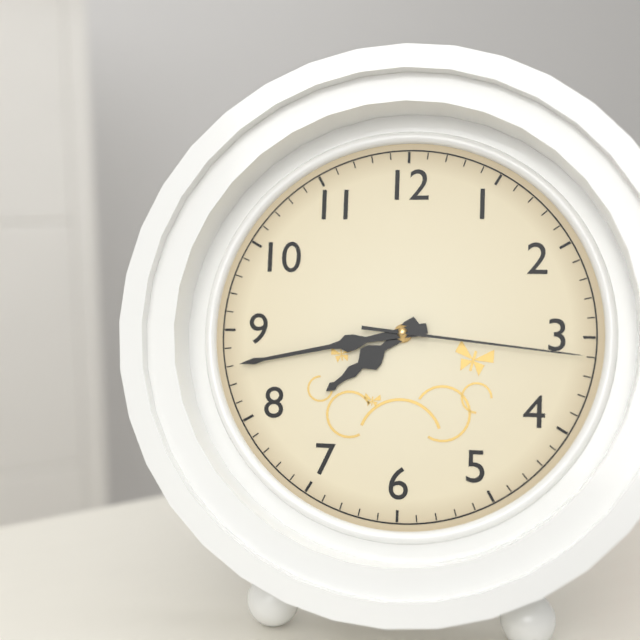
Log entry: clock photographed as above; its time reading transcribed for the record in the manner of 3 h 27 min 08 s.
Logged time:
7 h 43 min 16 s
